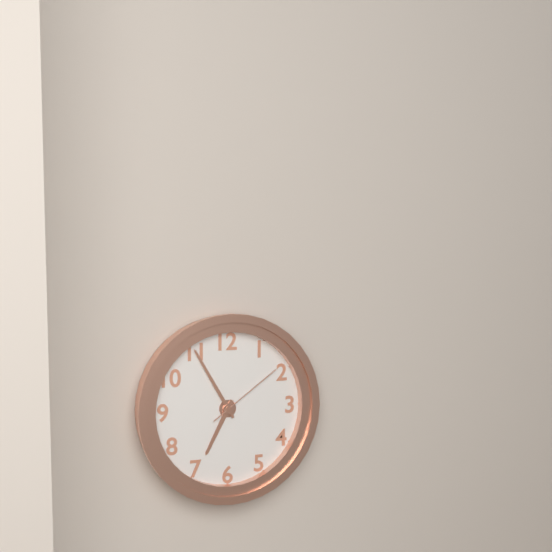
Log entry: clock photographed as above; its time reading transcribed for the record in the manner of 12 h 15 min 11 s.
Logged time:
6 h 55 min 09 s
